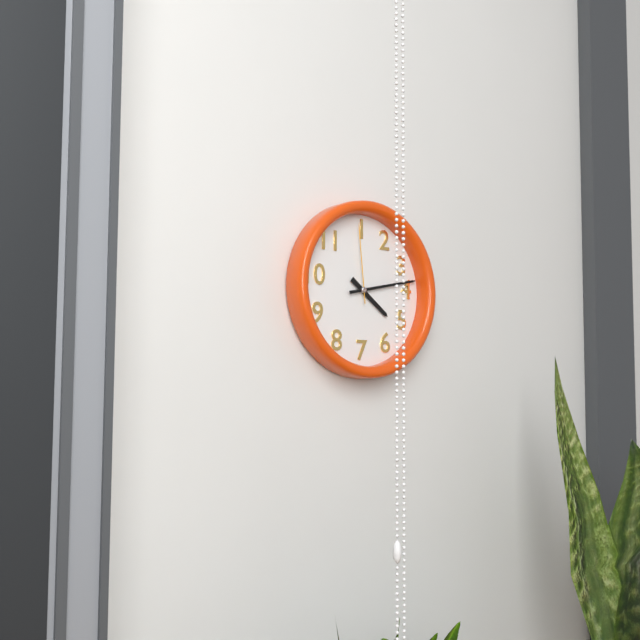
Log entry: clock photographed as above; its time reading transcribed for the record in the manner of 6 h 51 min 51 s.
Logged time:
4 h 13 min 59 s
